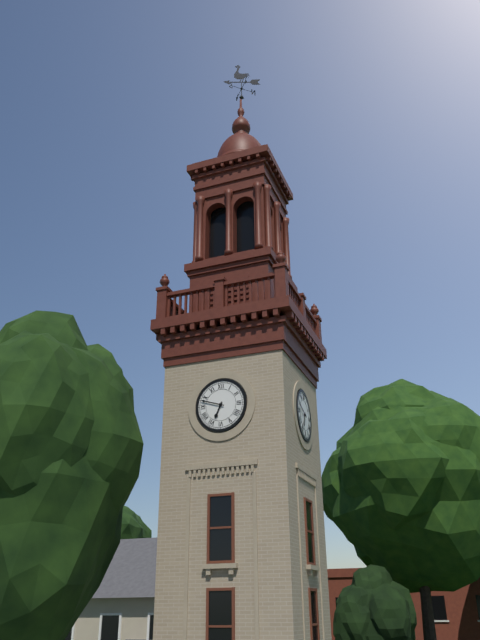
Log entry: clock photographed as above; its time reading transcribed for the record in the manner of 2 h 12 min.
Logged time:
6 h 48 min
